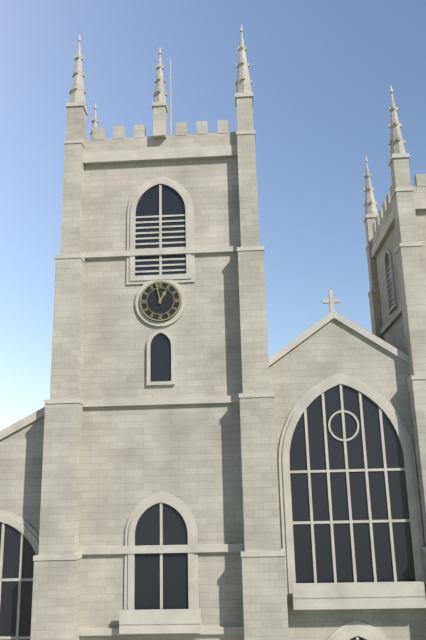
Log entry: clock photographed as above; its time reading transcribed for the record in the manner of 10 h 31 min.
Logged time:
12 h 58 min
